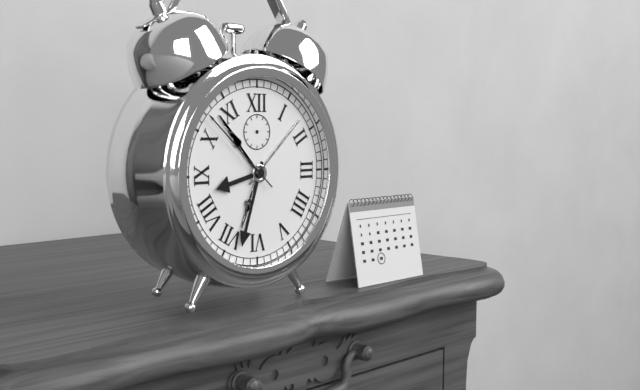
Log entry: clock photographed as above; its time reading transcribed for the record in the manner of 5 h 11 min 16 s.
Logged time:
8 h 33 min 52 s
